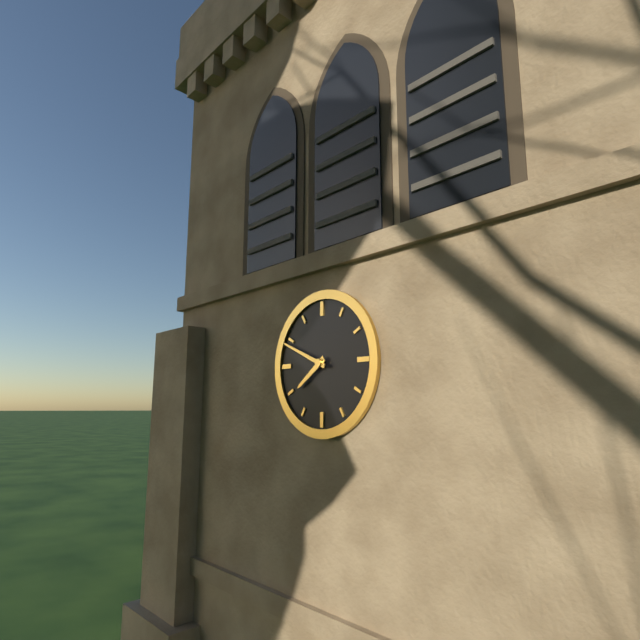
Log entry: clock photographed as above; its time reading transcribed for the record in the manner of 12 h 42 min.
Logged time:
7 h 49 min
